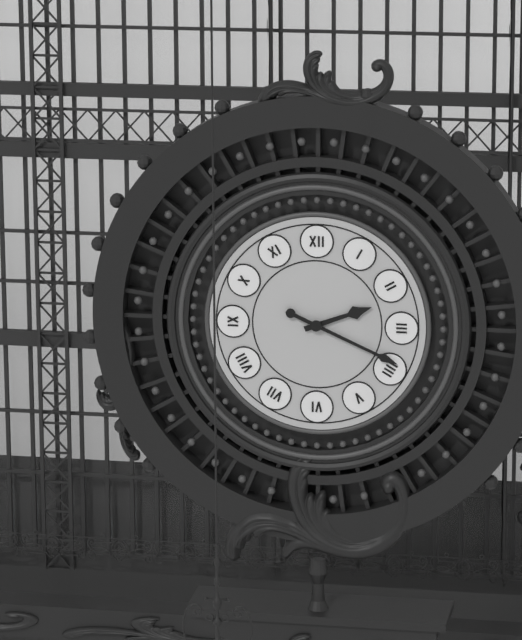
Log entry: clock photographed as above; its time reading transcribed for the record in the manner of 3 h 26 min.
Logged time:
2 h 19 min
